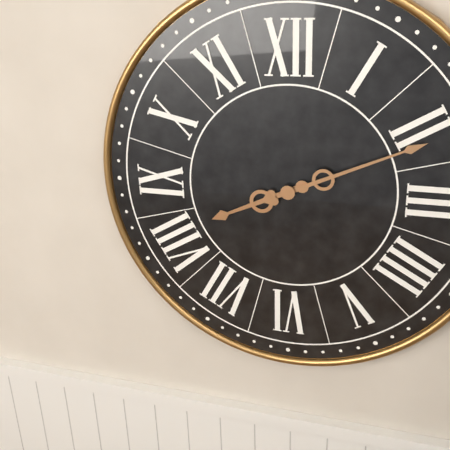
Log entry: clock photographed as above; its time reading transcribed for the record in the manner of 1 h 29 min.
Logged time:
8 h 11 min
